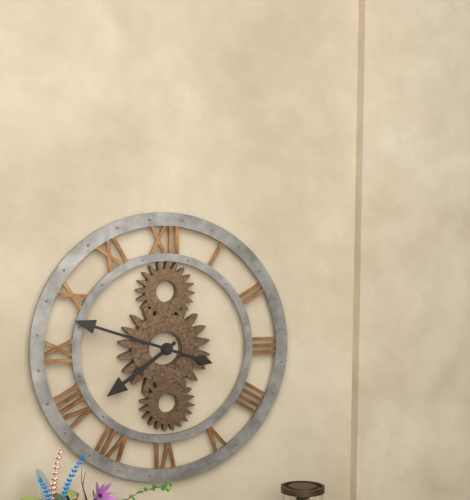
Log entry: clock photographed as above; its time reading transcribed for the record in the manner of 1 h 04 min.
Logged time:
7 h 48 min
